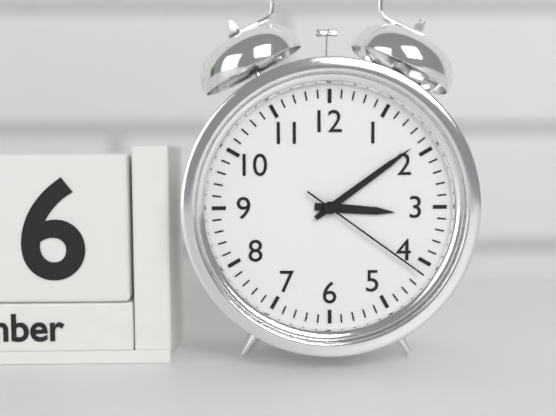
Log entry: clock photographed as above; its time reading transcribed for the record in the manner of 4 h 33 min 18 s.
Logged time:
3 h 09 min 21 s
